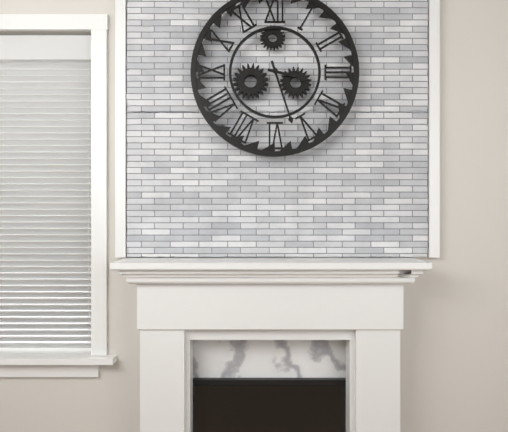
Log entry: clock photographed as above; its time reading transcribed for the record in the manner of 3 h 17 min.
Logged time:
3 h 27 min
